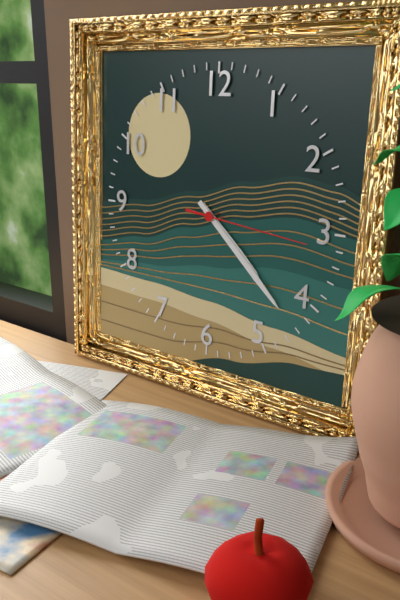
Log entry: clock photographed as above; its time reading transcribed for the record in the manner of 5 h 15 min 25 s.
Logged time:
4 h 22 min 16 s
